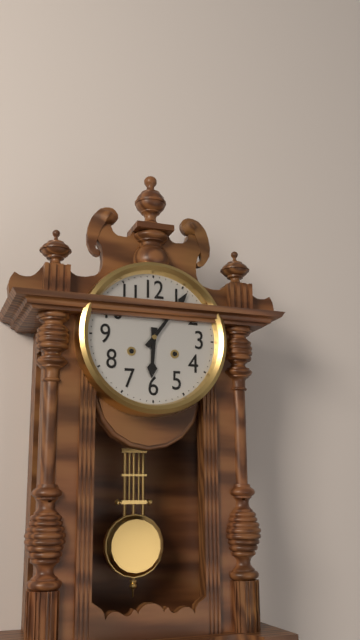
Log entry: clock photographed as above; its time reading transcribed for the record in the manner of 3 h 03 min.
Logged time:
6 h 06 min
